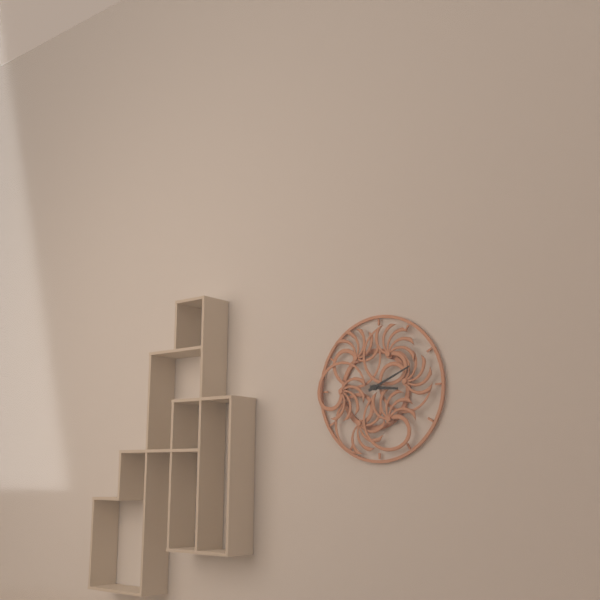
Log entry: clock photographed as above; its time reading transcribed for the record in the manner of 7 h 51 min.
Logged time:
3 h 11 min
